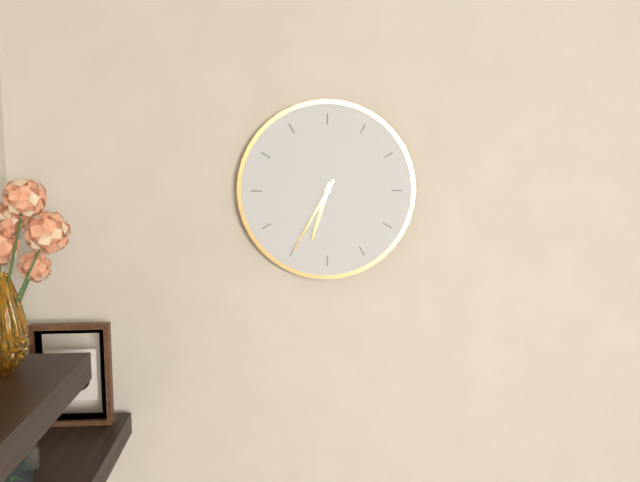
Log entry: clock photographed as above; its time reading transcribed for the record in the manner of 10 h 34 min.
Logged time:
6 h 35 min
